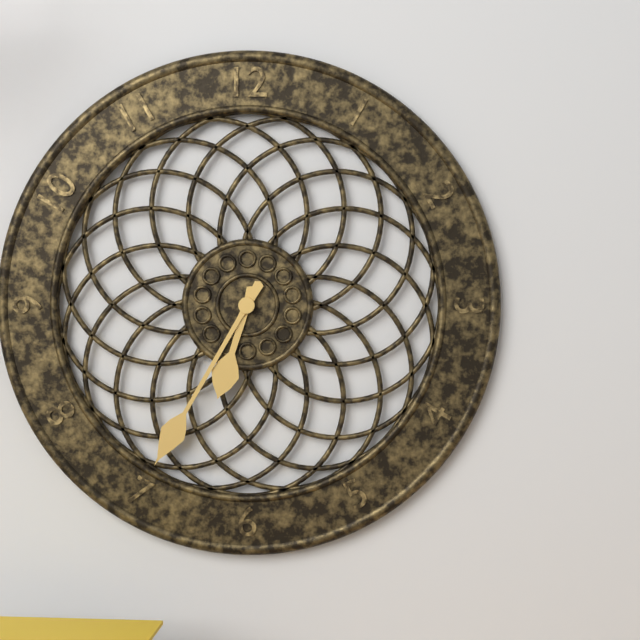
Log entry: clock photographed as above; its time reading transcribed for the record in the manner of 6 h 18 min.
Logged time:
6 h 35 min
